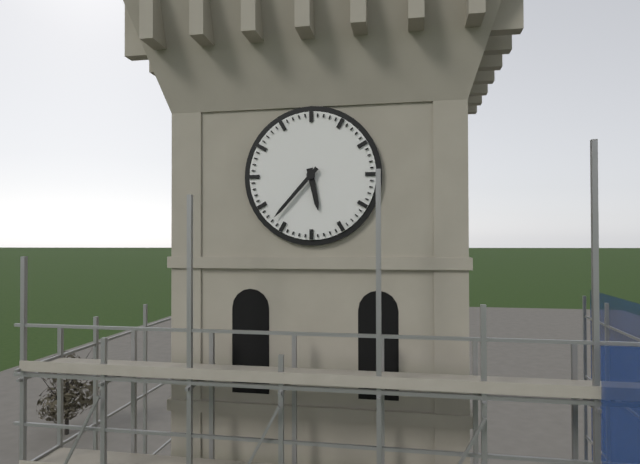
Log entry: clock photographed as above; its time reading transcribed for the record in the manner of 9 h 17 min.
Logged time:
5 h 37 min
